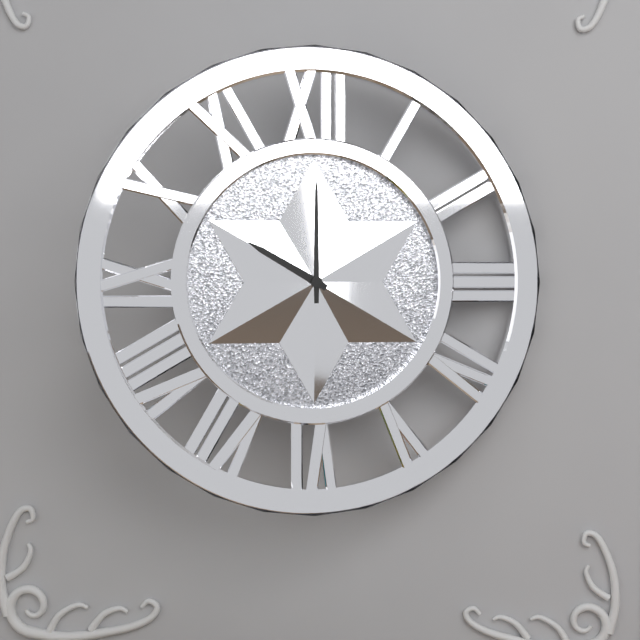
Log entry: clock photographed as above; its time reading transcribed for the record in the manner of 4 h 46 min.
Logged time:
10 h 00 min
